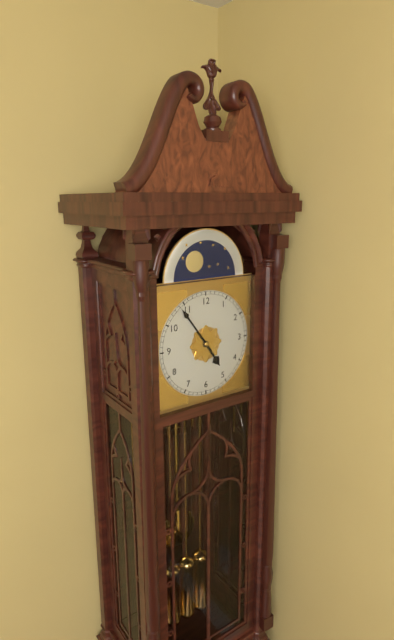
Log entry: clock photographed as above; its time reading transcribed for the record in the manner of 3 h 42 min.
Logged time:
4 h 54 min
